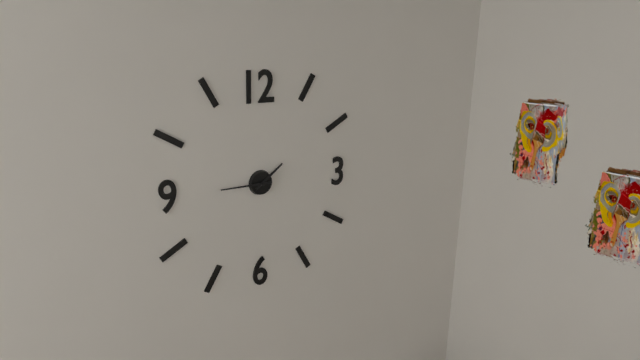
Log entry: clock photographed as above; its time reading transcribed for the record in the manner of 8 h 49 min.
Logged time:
1 h 45 min
